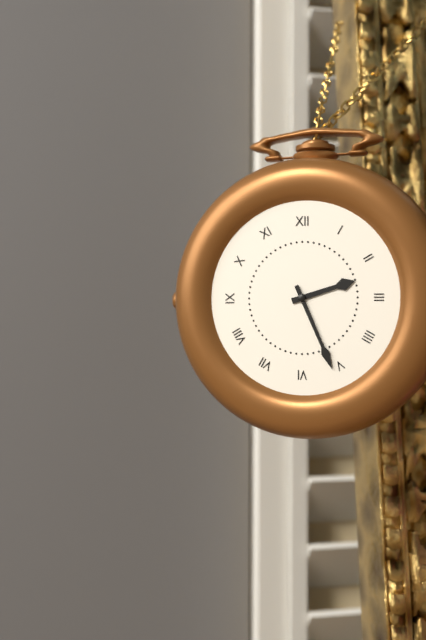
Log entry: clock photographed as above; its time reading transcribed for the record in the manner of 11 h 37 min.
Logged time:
2 h 26 min
